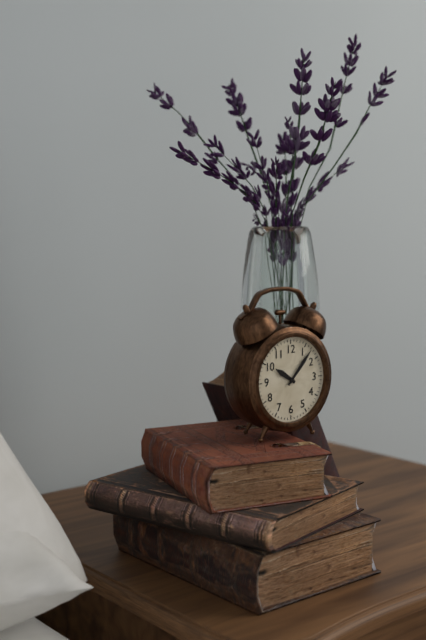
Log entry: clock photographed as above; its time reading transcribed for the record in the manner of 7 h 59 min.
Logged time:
10 h 07 min
